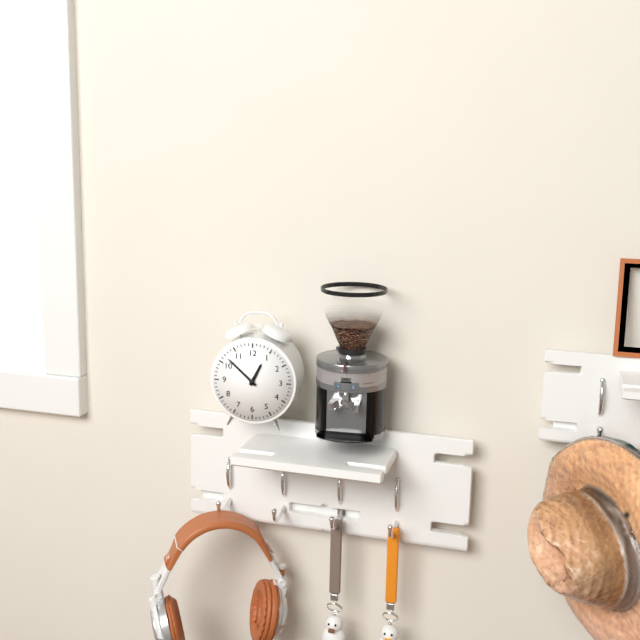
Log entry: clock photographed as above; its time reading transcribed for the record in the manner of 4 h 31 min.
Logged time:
12 h 52 min
